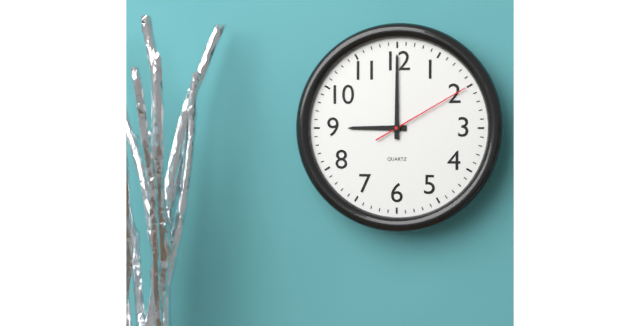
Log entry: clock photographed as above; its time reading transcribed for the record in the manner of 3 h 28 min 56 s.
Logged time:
9 h 00 min 10 s
